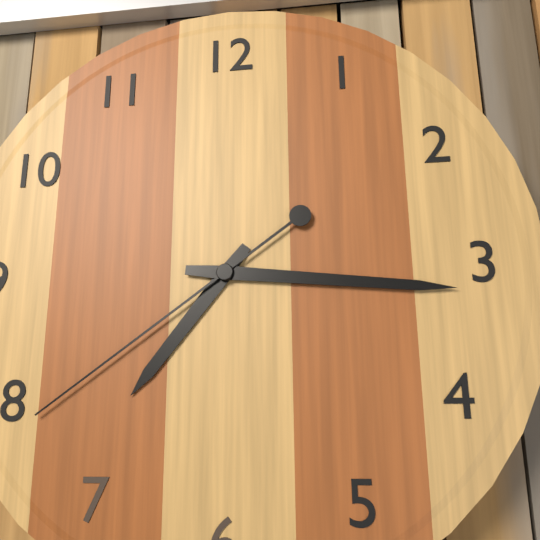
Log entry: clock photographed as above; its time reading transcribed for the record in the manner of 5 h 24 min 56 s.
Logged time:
7 h 16 min 39 s
